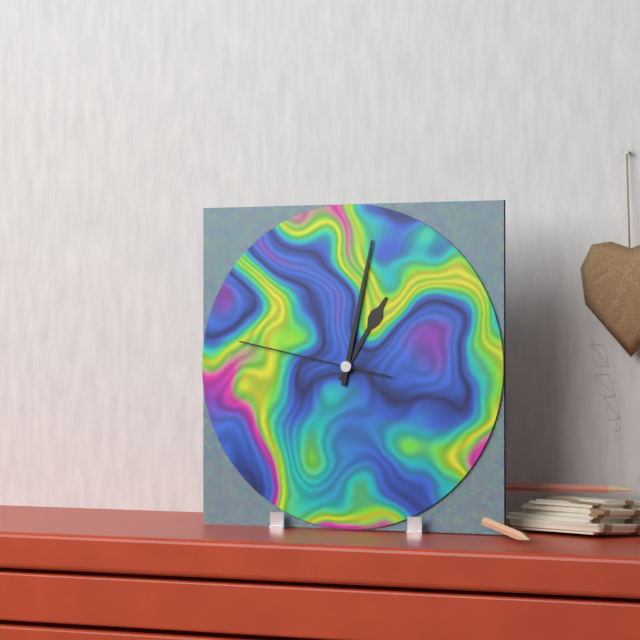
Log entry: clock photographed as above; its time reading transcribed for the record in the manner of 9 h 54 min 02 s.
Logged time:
1 h 02 min 47 s
